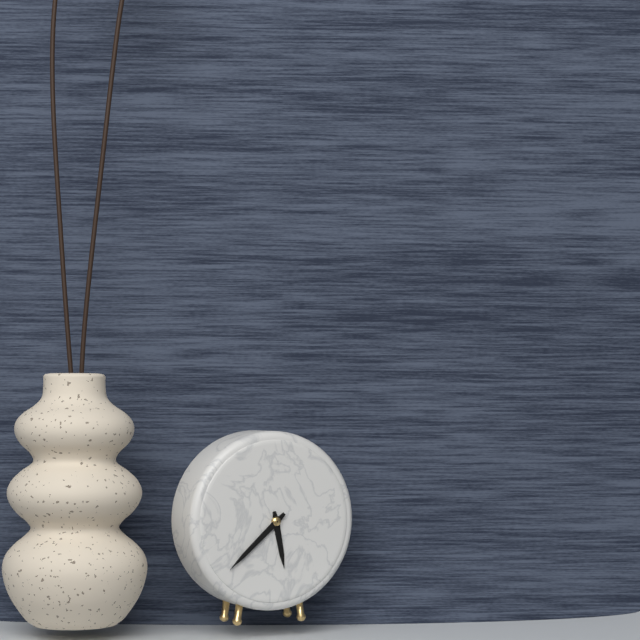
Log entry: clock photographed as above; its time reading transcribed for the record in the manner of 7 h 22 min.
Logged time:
5 h 38 min
